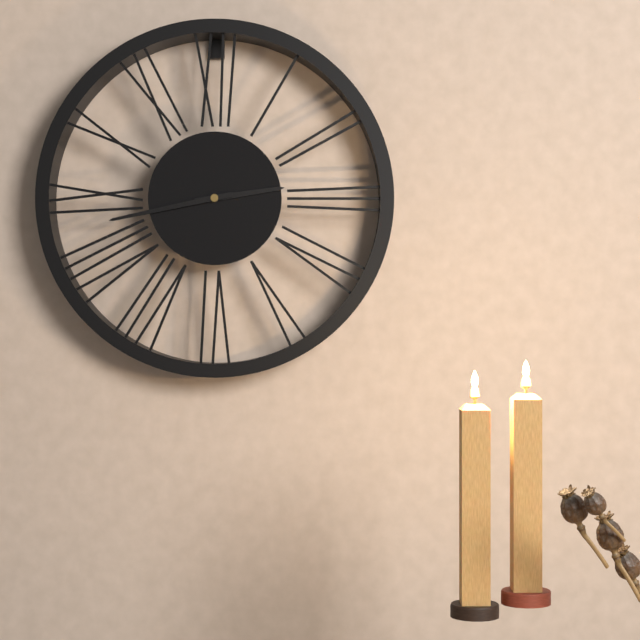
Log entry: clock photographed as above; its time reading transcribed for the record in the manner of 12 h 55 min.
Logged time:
2 h 43 min
